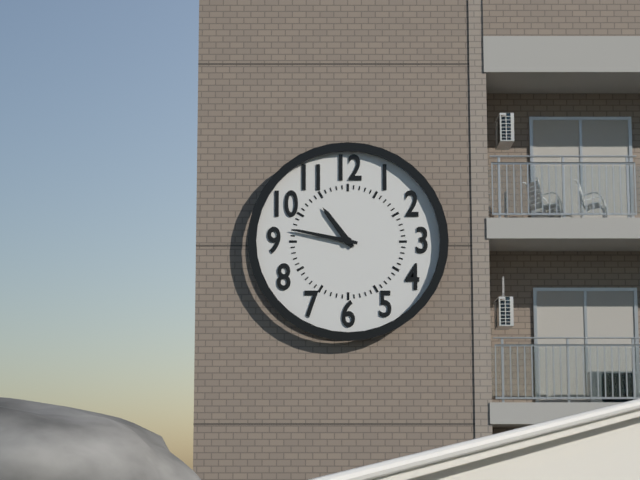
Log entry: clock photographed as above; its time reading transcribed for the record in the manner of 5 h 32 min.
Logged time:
10 h 47 min
